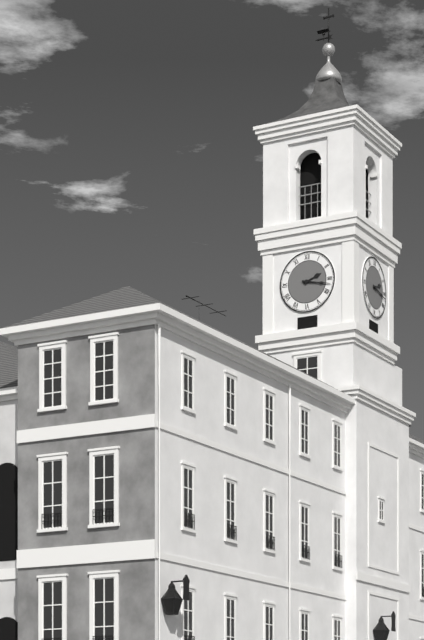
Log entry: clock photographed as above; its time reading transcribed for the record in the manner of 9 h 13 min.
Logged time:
2 h 17 min
